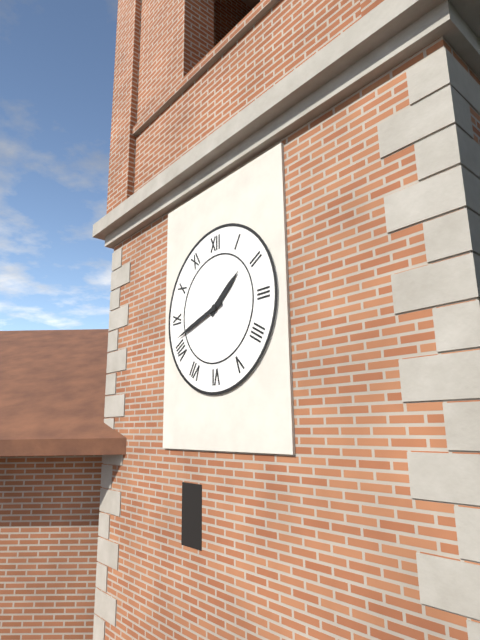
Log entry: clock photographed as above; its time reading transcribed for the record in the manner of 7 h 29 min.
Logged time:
1 h 42 min
